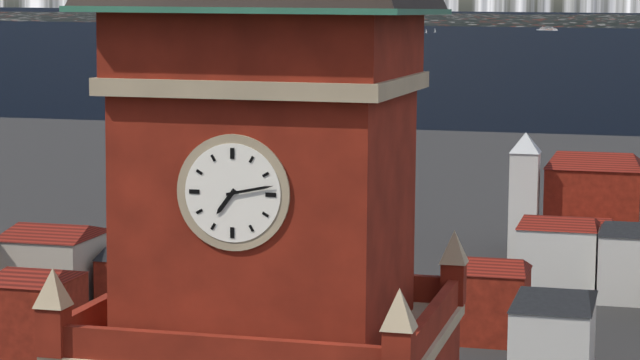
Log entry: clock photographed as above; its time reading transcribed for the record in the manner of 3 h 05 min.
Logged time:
7 h 13 min
